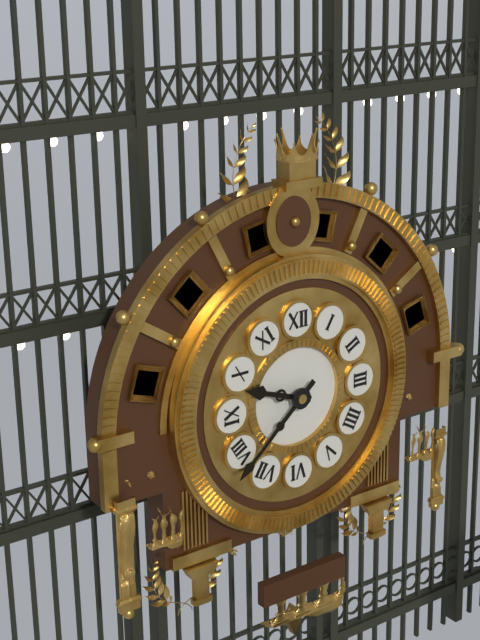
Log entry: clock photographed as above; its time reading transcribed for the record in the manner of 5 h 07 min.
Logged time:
9 h 38 min
